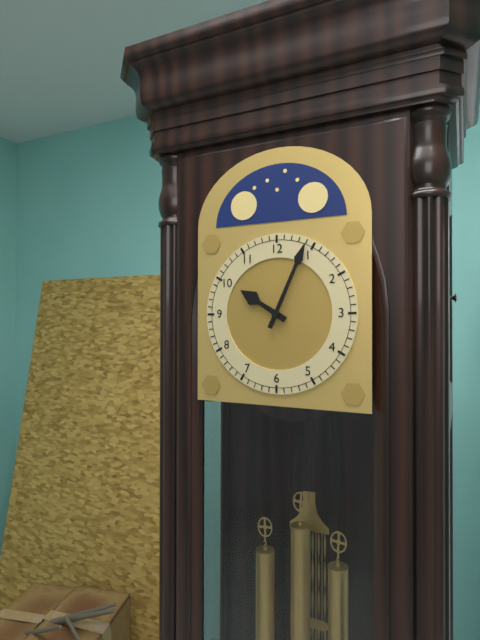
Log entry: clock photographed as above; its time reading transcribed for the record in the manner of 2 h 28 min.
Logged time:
10 h 04 min
